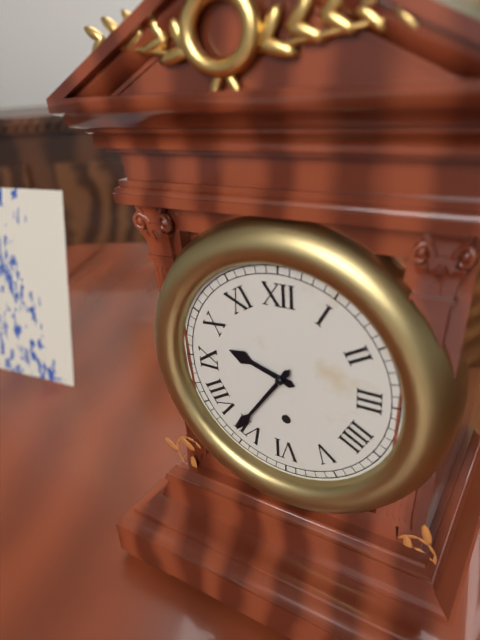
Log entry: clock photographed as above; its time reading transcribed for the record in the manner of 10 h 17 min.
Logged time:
9 h 36 min
